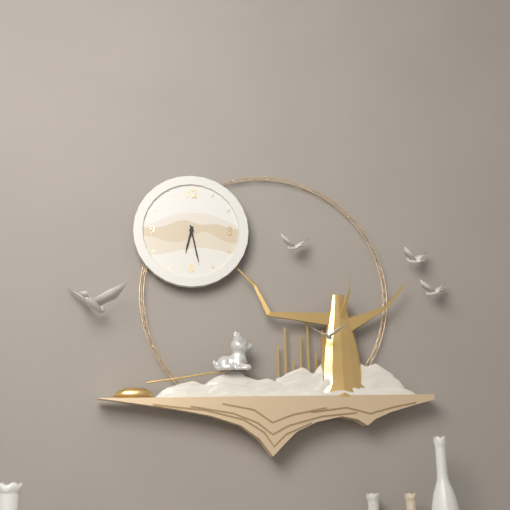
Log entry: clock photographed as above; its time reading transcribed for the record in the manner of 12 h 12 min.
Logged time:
6 h 28 min
